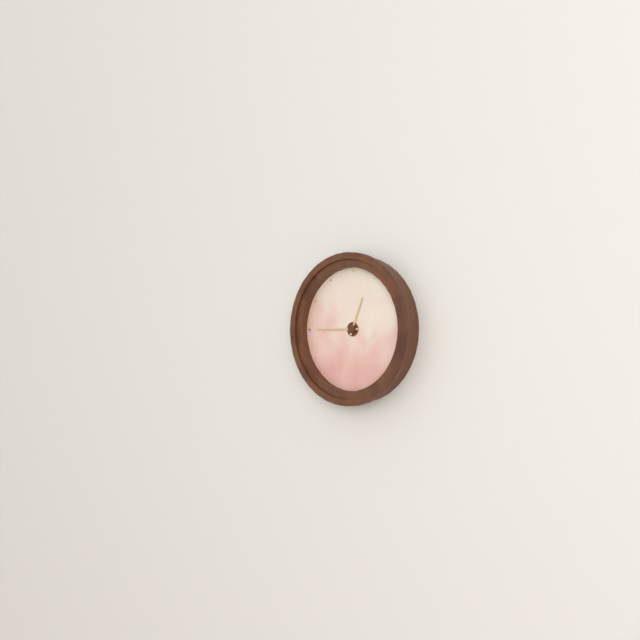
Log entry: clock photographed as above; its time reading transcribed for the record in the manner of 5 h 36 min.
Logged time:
12 h 45 min
